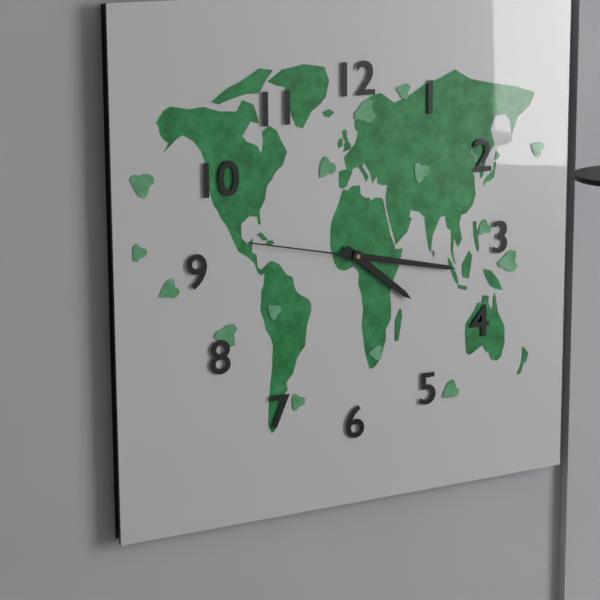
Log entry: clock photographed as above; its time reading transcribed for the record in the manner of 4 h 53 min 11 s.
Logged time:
4 h 17 min 47 s
